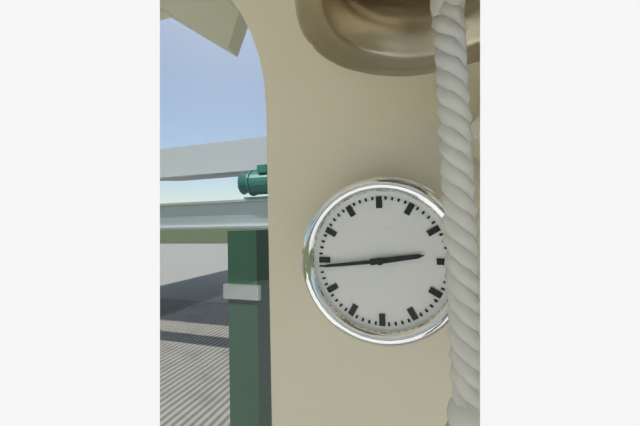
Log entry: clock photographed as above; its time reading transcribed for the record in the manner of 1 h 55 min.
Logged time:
2 h 44 min
